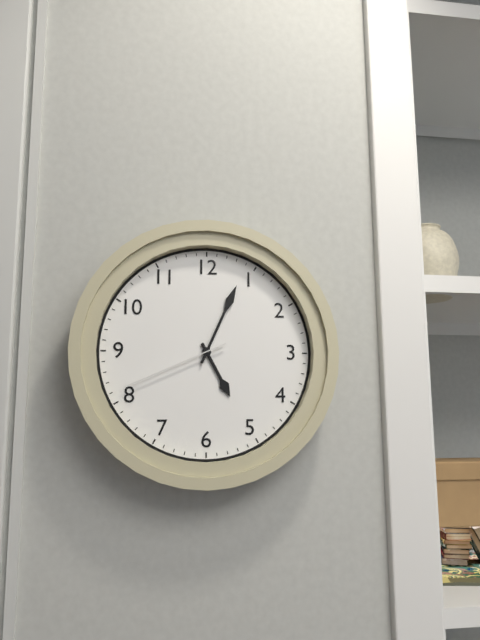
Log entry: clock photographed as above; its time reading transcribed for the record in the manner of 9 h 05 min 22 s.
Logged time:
5 h 04 min 41 s
